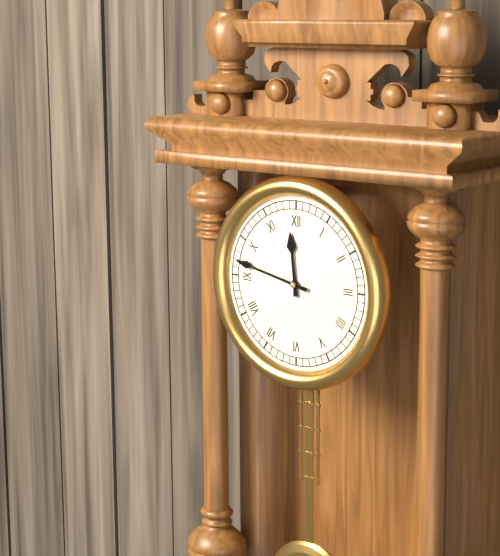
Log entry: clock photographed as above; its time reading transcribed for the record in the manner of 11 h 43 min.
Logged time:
11 h 47 min
